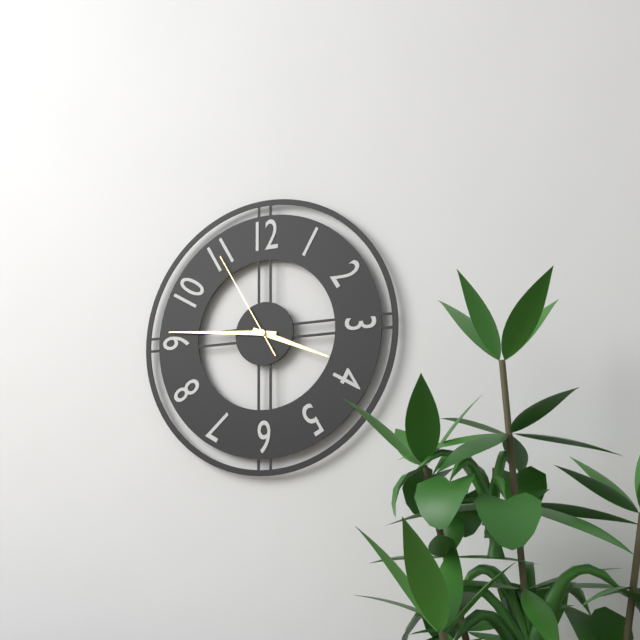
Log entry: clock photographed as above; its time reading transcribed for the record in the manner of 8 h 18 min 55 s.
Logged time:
3 h 46 min 55 s
